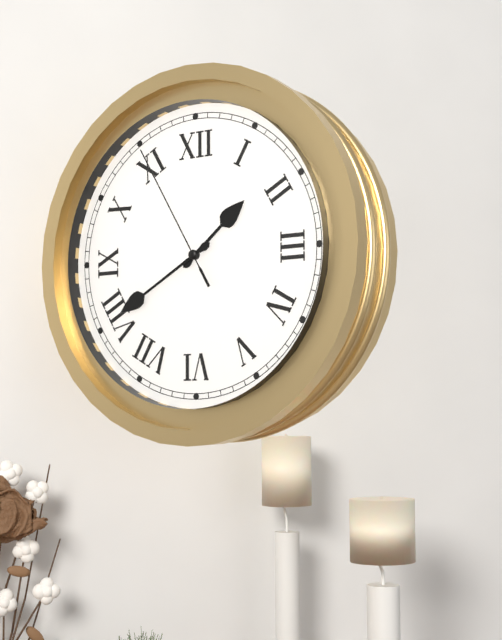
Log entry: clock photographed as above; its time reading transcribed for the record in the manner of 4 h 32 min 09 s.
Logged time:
1 h 40 min 55 s
